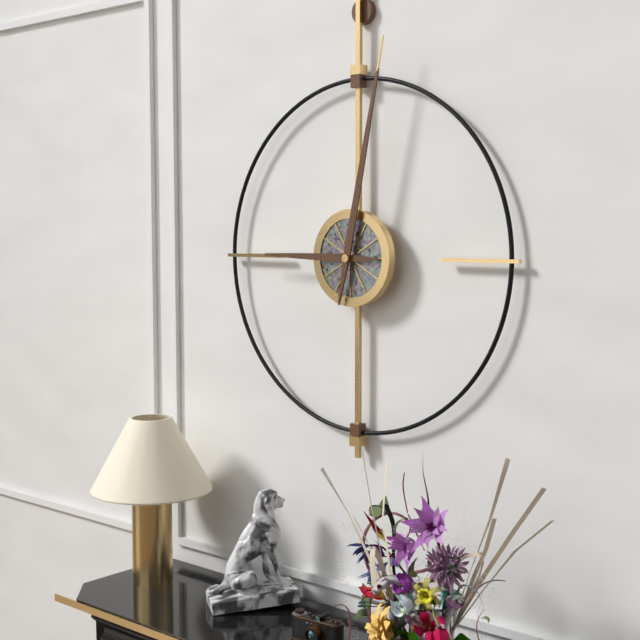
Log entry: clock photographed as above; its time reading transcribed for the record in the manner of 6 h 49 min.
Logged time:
9 h 02 min
